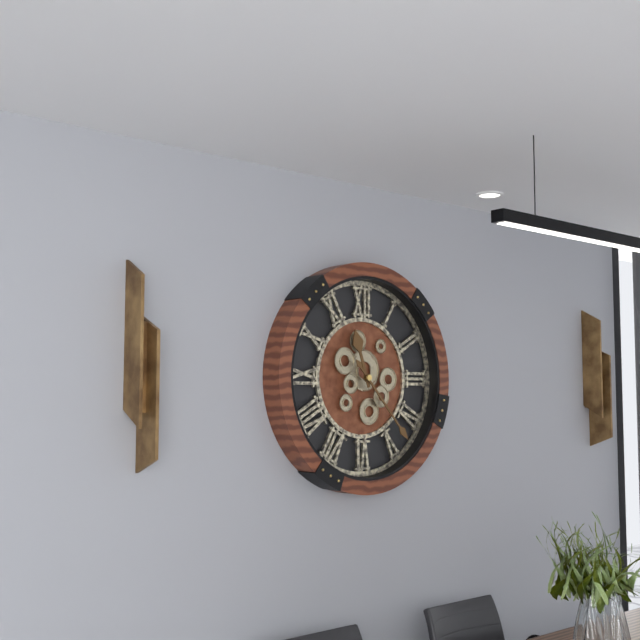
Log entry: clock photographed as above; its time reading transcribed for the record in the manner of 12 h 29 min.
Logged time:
11 h 23 min
